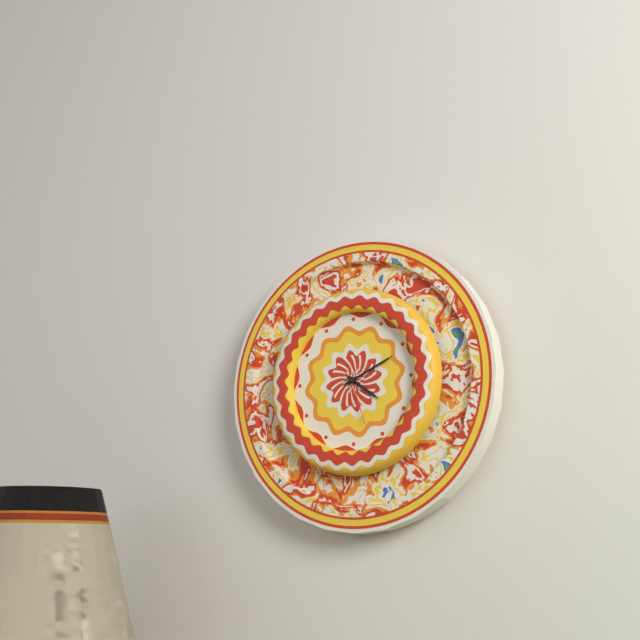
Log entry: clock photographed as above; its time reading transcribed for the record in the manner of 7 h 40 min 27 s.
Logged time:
4 h 11 min 27 s
